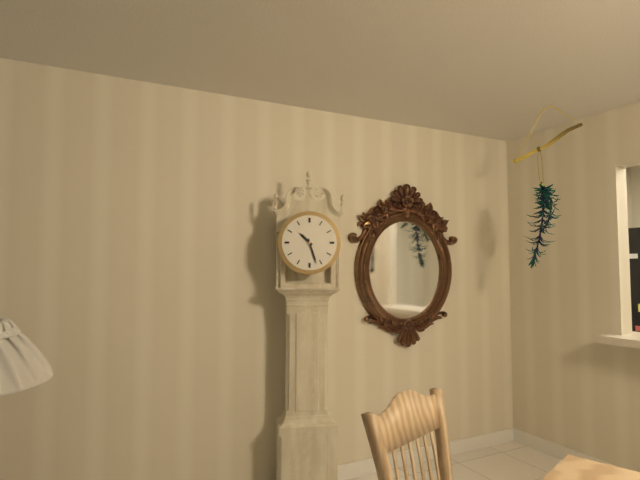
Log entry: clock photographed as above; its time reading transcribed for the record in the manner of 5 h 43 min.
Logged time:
10 h 27 min
